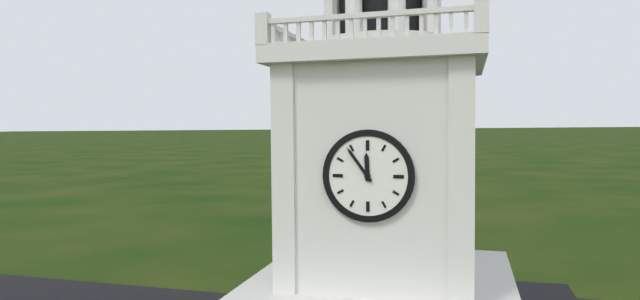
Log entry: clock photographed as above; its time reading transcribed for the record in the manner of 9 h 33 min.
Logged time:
11 h 54 min
